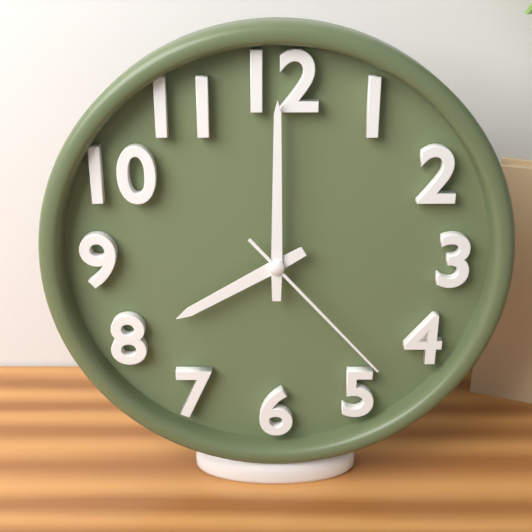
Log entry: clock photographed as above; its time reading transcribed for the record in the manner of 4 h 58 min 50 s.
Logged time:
8 h 00 min 23 s
